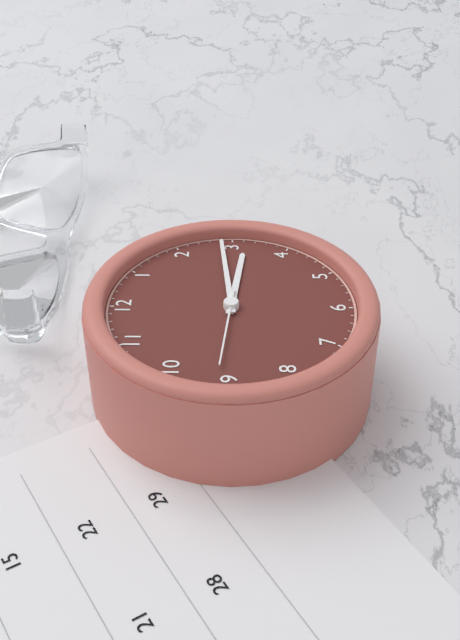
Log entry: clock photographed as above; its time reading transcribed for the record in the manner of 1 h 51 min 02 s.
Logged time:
3 h 14 min 46 s
